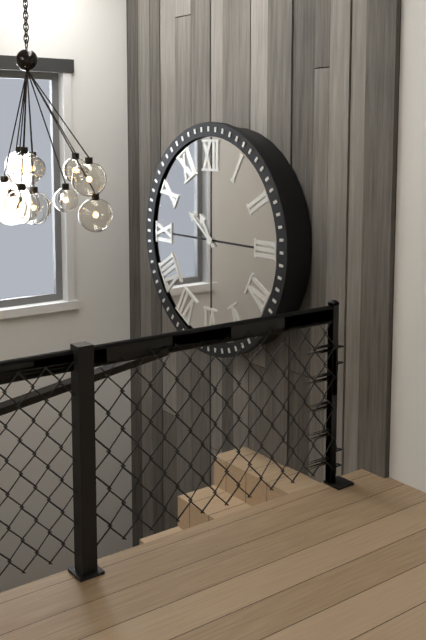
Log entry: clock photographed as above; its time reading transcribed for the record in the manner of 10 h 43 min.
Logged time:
10 h 51 min
